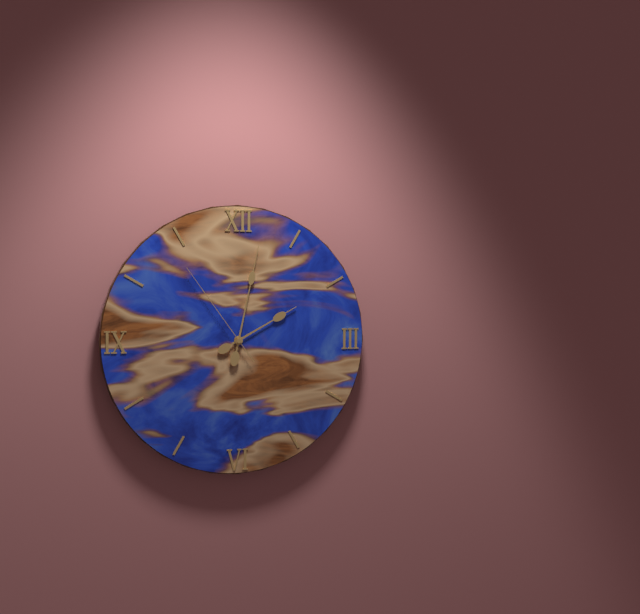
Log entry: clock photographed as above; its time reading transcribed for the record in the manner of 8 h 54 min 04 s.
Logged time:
2 h 02 min 54 s
